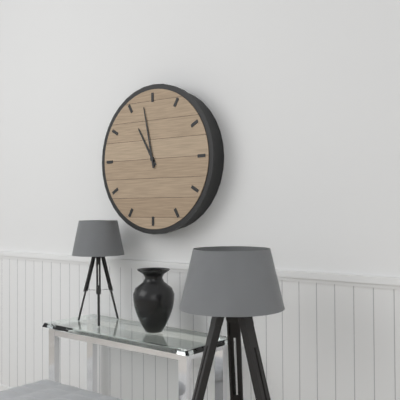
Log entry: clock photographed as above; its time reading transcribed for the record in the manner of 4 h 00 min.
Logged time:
10 h 58 min
